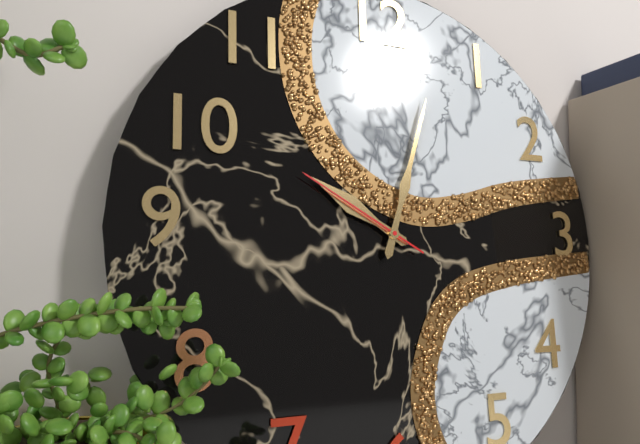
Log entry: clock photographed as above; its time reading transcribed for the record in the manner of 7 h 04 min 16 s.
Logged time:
10 h 03 min 50 s
